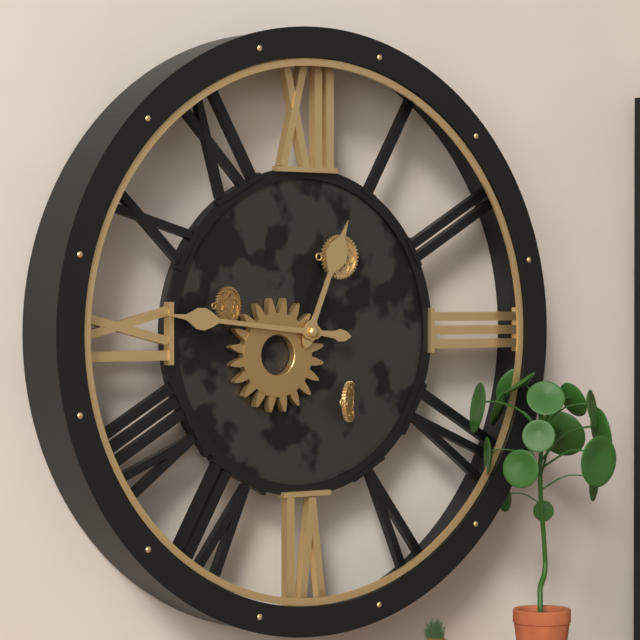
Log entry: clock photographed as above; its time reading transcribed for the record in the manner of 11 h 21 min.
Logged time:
12 h 46 min
